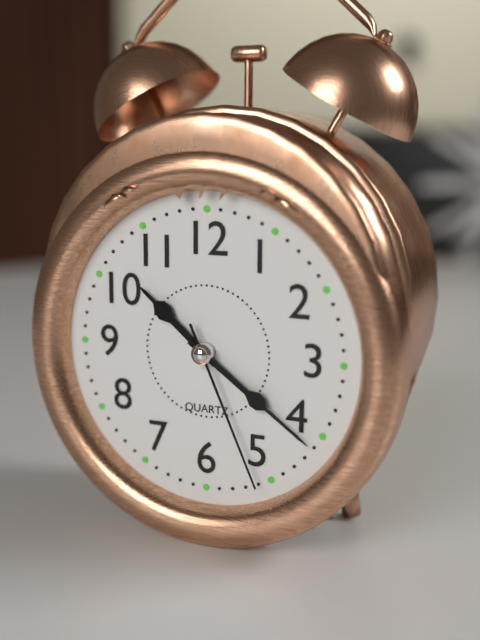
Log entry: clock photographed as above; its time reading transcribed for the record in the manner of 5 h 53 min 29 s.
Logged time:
10 h 21 min 26 s
